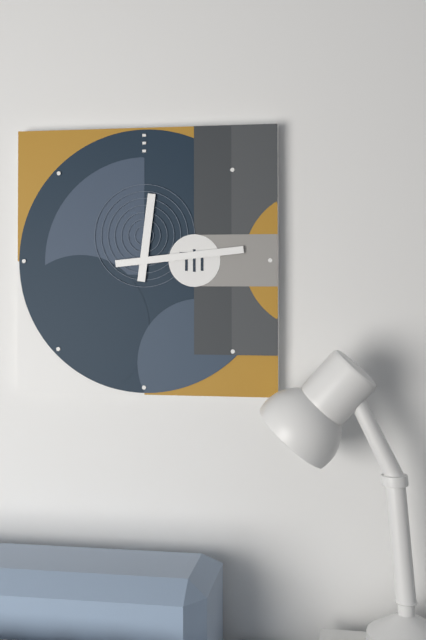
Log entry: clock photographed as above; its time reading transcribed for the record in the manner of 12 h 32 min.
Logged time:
12 h 14 min
